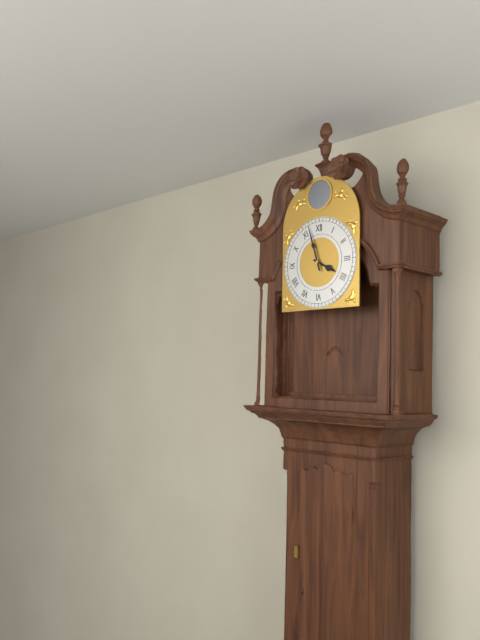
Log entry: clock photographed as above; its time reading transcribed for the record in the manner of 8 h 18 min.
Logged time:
3 h 57 min
